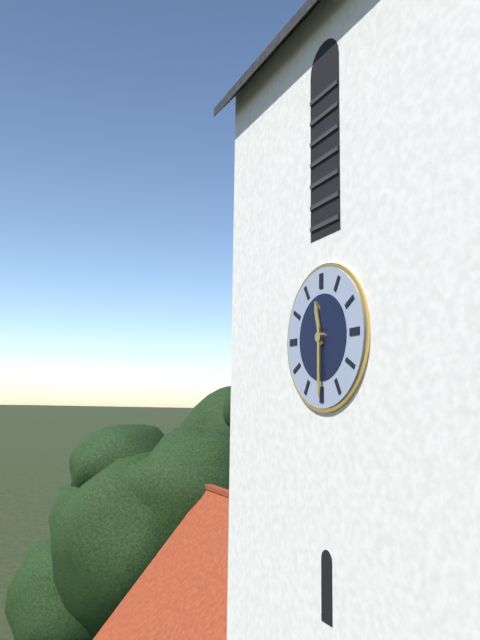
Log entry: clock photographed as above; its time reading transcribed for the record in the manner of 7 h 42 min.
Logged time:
11 h 30 min
